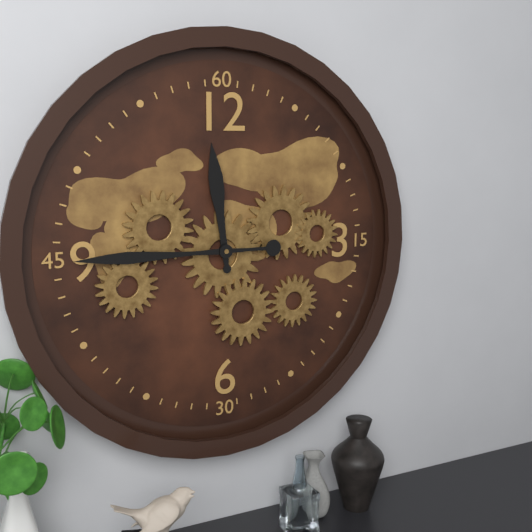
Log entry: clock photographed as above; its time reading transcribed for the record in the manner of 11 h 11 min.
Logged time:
11 h 45 min
